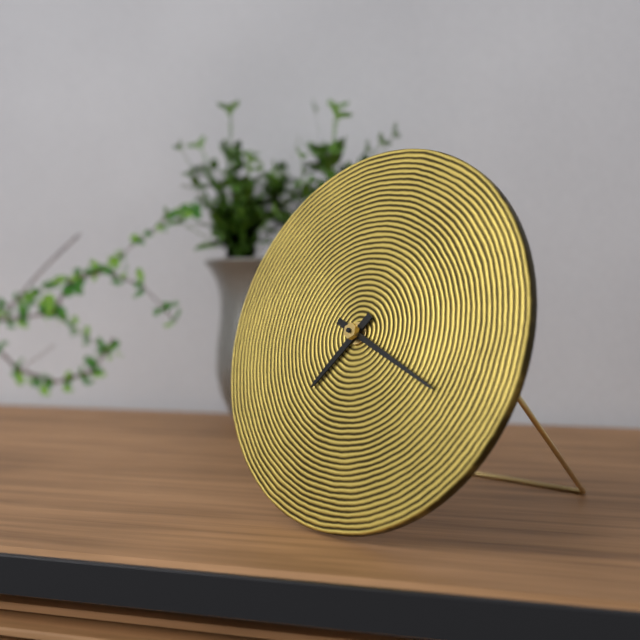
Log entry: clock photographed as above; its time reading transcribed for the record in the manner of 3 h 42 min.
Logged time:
7 h 19 min
